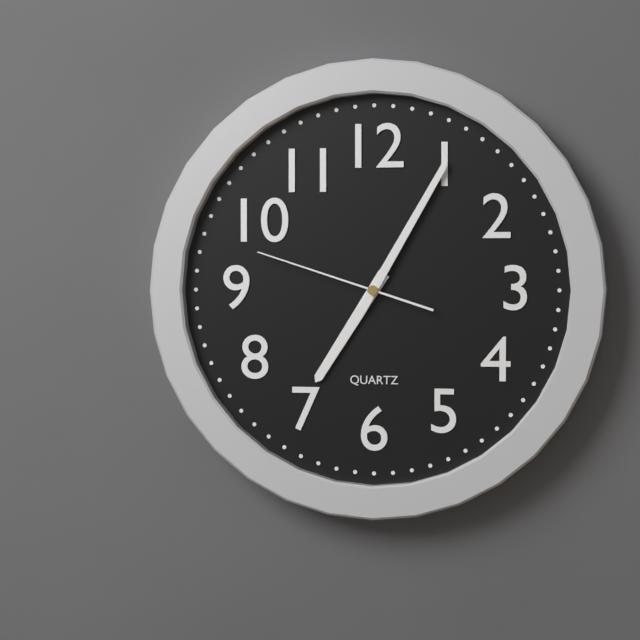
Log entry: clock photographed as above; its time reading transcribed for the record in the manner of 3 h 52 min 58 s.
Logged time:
7 h 05 min 48 s
